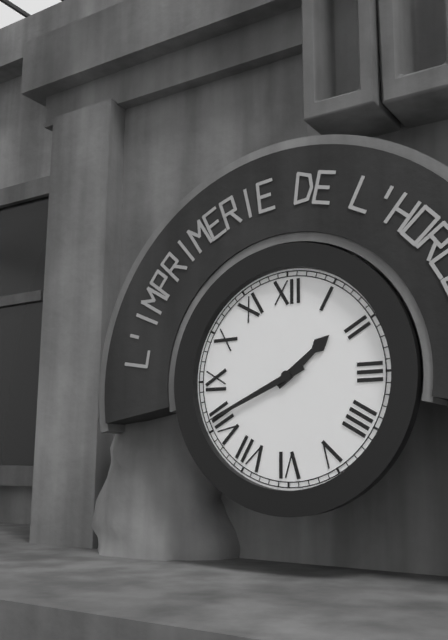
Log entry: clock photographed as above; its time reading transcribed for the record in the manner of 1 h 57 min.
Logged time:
1 h 41 min
